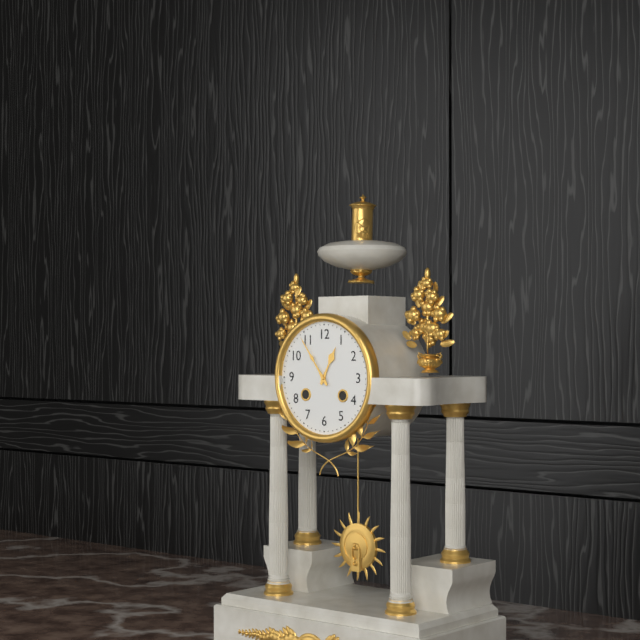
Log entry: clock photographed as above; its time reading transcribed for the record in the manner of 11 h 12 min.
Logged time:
12 h 54 min
